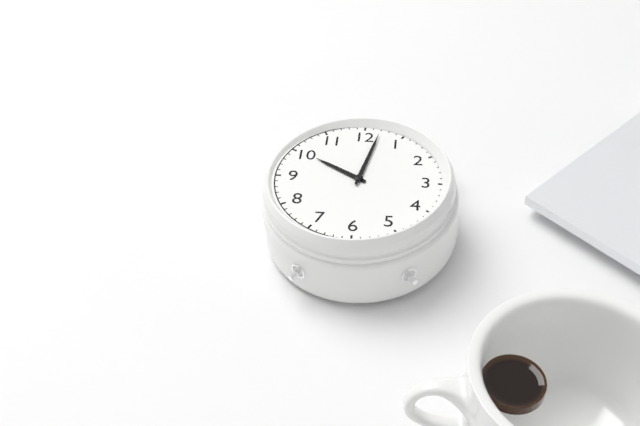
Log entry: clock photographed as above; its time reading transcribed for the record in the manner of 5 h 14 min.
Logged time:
10 h 02 min
